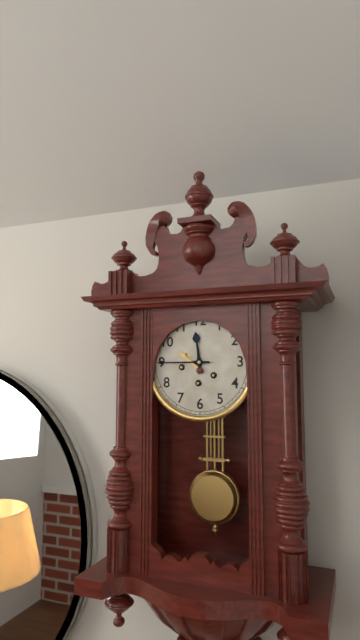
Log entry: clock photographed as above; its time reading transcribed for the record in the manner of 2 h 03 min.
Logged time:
11 h 45 min
